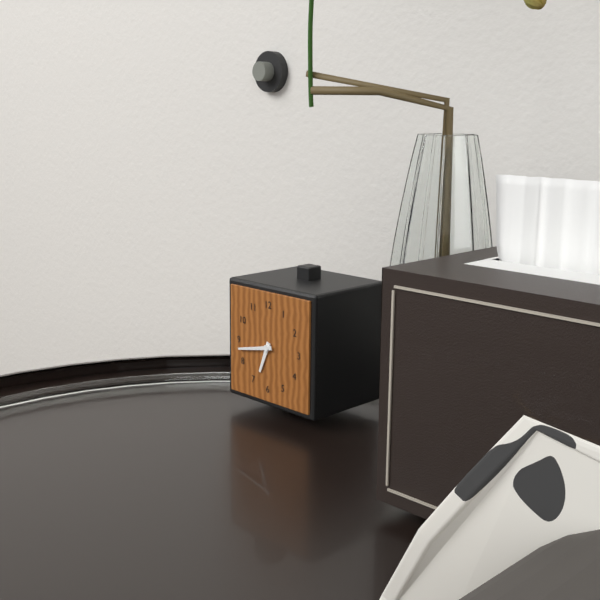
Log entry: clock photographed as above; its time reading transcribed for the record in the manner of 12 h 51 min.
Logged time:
6 h 43 min
